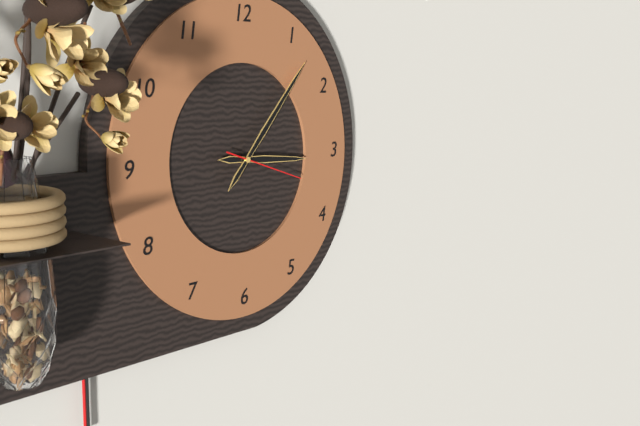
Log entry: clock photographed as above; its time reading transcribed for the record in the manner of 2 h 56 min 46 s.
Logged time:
3 h 07 min 18 s
